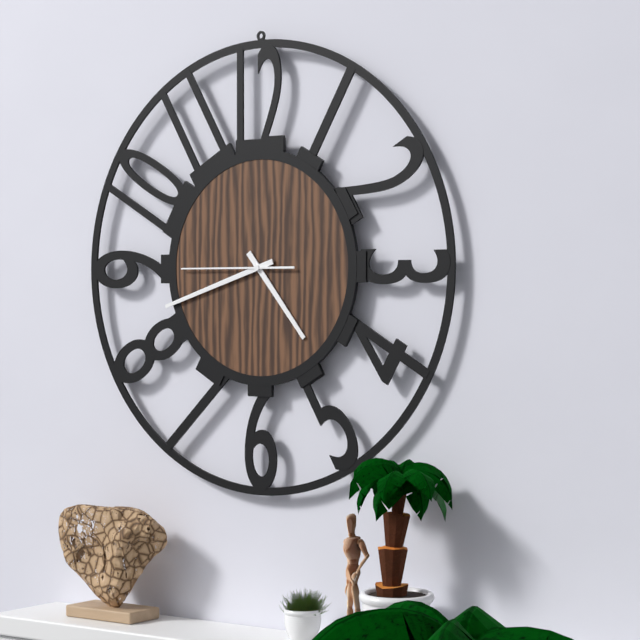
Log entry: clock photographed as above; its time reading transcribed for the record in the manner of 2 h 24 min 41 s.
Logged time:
4 h 42 min 45 s
